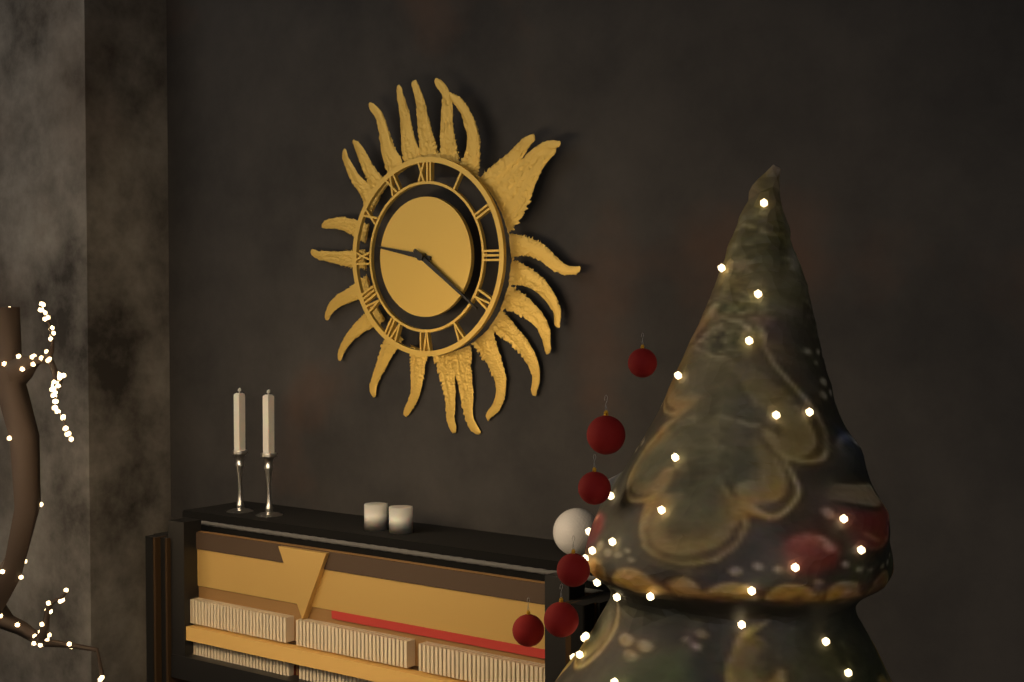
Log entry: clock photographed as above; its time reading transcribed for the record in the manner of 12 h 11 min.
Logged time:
9 h 21 min
